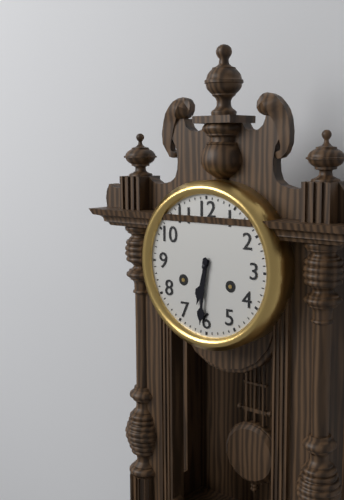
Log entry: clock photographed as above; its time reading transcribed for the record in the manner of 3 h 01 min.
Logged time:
6 h 31 min
